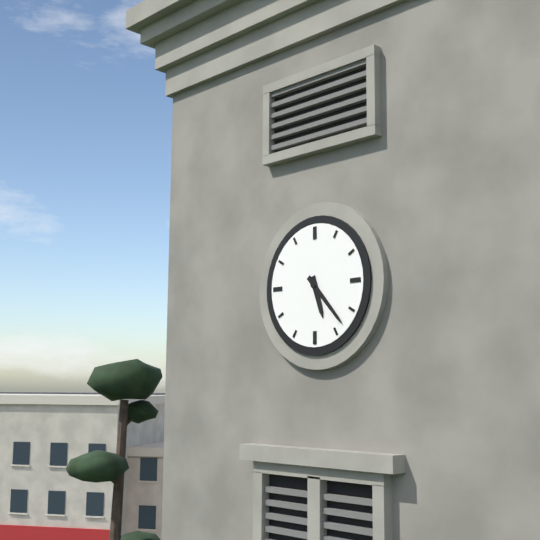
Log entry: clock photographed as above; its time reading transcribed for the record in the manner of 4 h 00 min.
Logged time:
5 h 23 min
